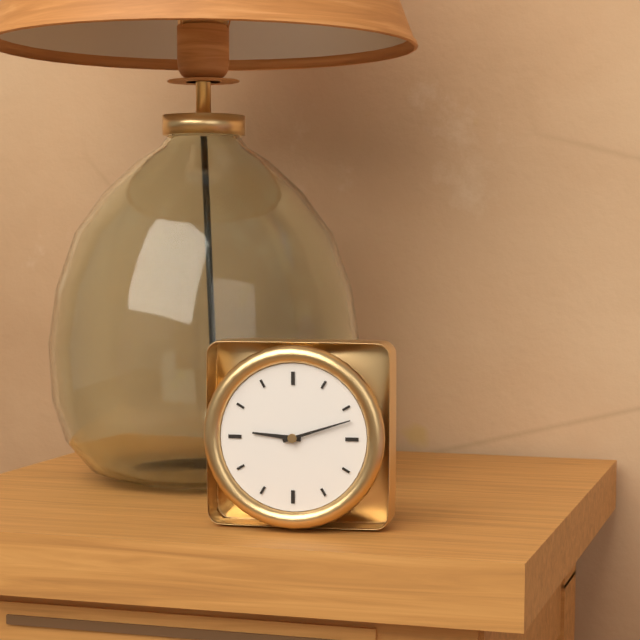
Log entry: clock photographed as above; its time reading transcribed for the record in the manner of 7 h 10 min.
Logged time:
9 h 12 min
